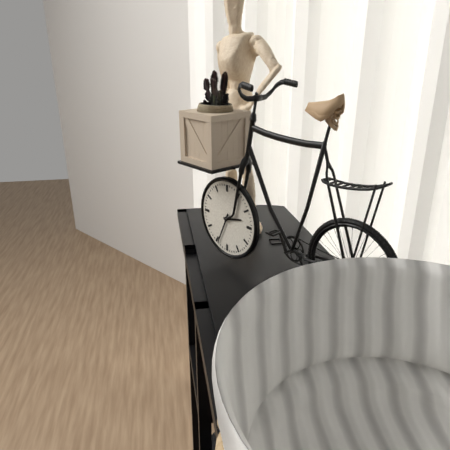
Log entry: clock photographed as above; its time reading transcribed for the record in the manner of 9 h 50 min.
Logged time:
2 h 34 min
